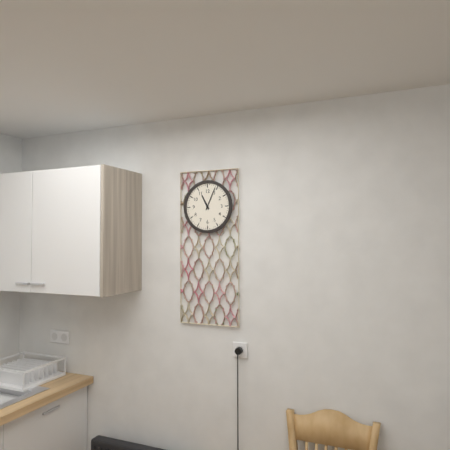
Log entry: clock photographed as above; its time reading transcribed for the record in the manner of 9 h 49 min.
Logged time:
11 h 04 min
